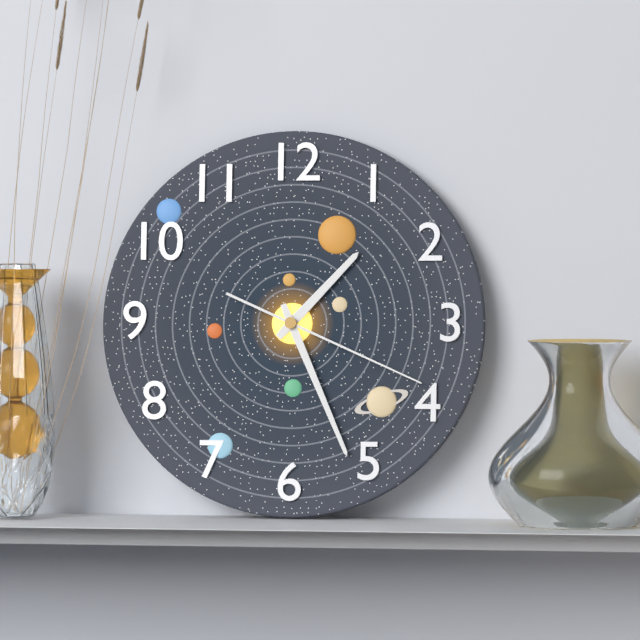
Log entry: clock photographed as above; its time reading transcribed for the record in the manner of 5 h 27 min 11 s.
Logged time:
1 h 26 min 19 s
